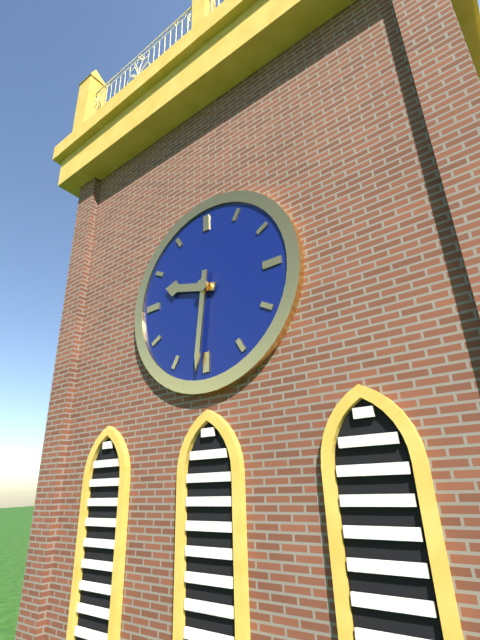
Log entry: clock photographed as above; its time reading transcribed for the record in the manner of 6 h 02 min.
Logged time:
9 h 31 min
